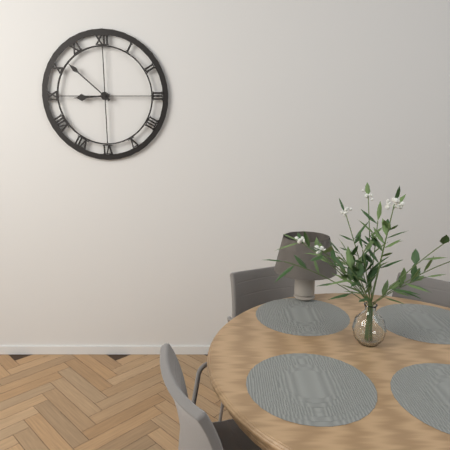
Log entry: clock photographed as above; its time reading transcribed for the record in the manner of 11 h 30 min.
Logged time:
8 h 52 min
